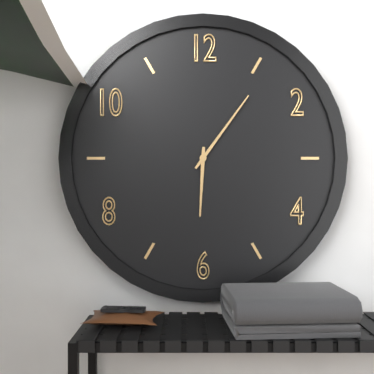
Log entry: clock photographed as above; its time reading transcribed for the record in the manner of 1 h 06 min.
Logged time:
6 h 06 min
